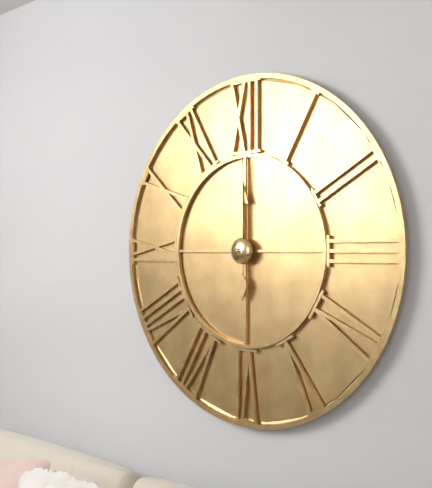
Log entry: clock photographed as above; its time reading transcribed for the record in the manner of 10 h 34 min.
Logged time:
12 h 00 min
